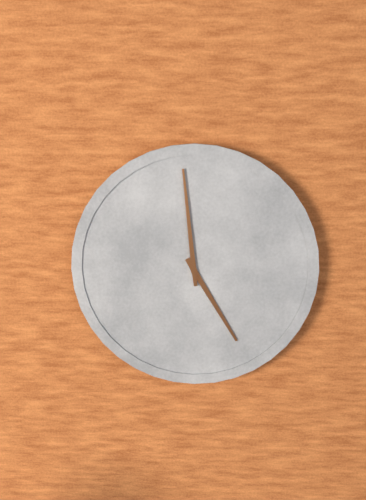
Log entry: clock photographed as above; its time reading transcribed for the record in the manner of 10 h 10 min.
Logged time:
4 h 59 min
